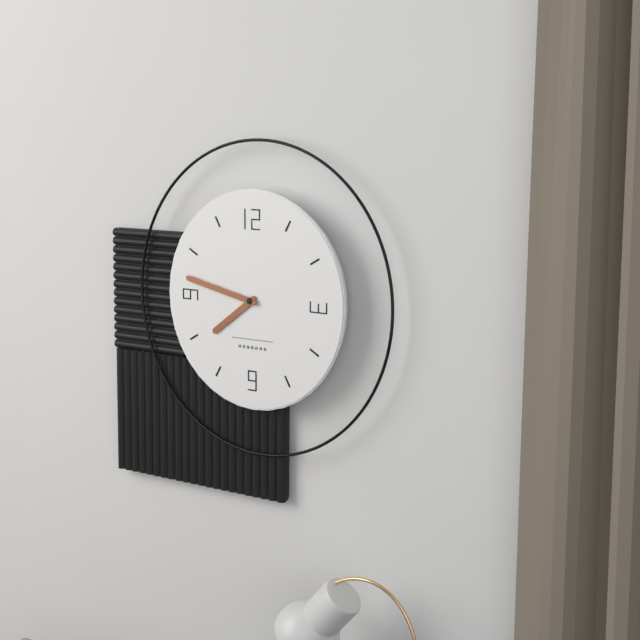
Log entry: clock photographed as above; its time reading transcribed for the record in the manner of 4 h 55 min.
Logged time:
7 h 47 min
